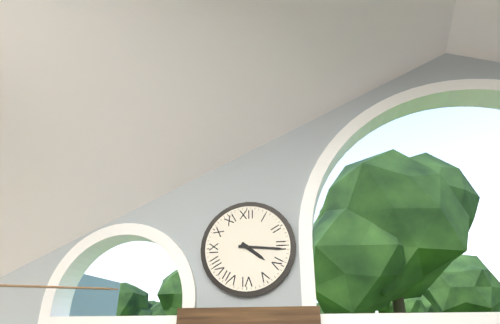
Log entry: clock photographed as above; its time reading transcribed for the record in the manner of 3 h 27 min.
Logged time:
4 h 16 min
